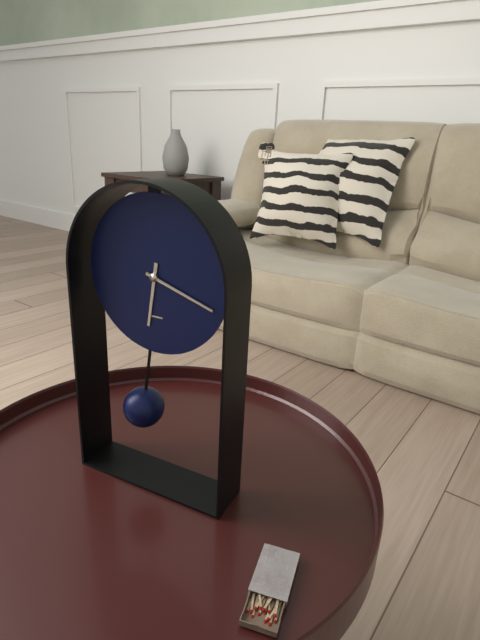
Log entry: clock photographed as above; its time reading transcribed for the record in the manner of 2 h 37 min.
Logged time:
6 h 18 min
